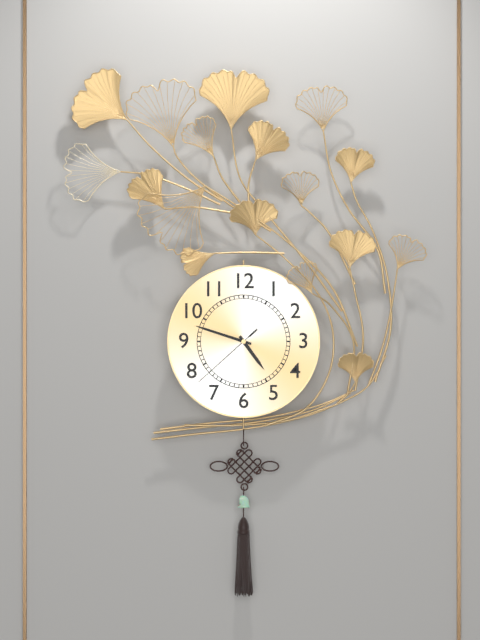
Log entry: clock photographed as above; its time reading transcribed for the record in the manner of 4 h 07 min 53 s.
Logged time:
4 h 48 min 38 s
